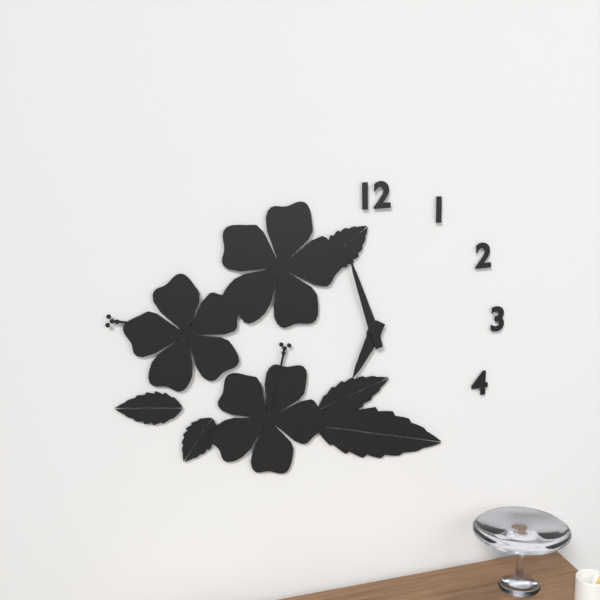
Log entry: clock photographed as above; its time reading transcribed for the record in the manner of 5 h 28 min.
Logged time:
6 h 57 min
